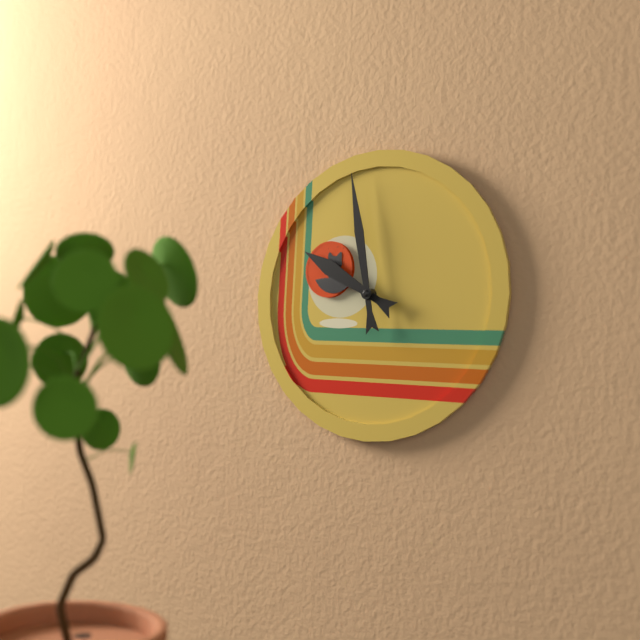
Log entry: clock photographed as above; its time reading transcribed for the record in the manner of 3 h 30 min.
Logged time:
9 h 58 min
